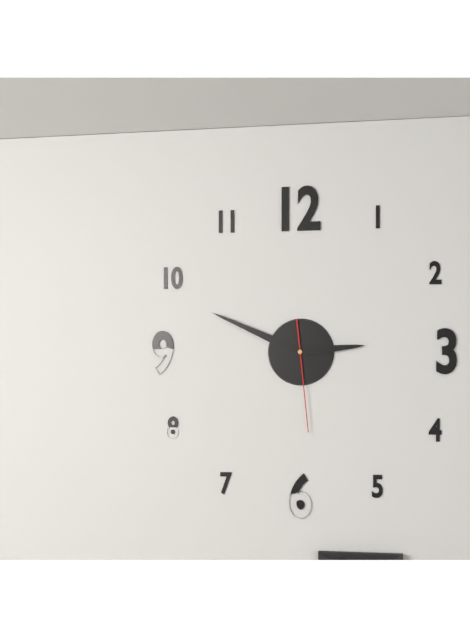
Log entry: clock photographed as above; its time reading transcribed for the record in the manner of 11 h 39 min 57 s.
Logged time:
2 h 49 min 29 s
